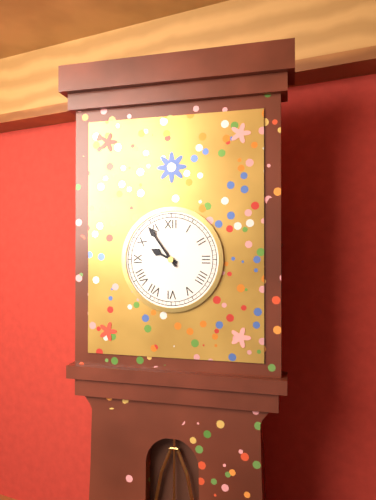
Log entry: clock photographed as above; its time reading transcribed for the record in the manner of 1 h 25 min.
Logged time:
9 h 54 min
